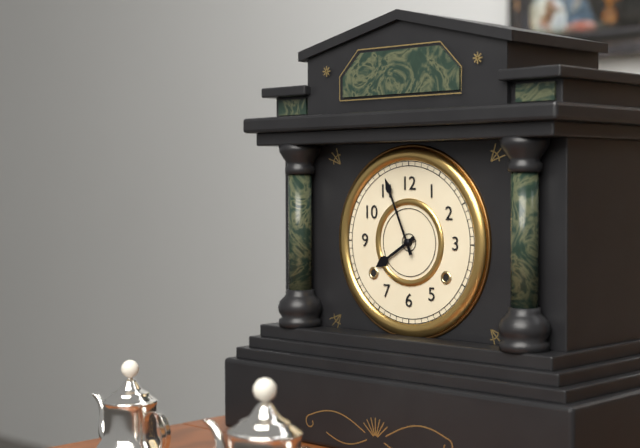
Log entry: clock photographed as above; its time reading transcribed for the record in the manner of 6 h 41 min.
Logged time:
7 h 56 min
